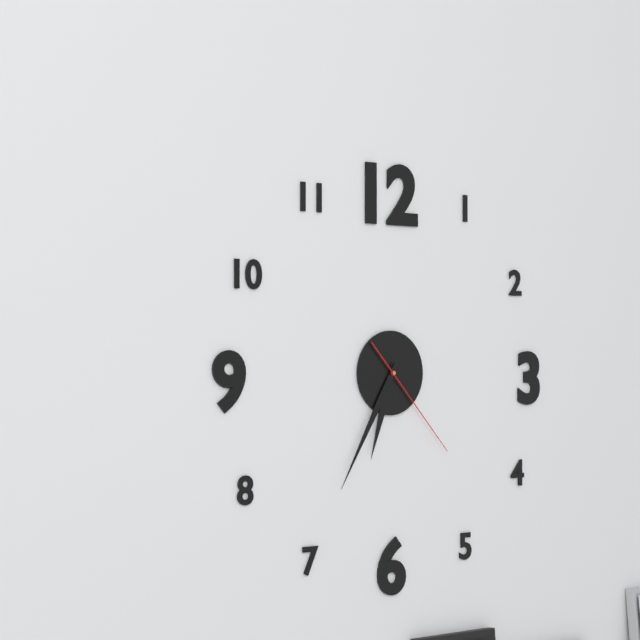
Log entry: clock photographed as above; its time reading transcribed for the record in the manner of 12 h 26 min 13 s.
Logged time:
6 h 35 min 23 s
